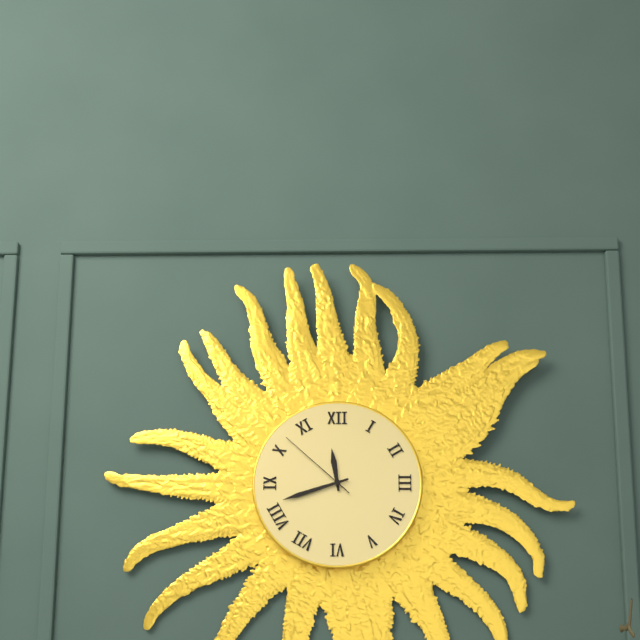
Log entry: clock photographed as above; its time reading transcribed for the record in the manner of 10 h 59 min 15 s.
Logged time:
11 h 42 min 52 s
